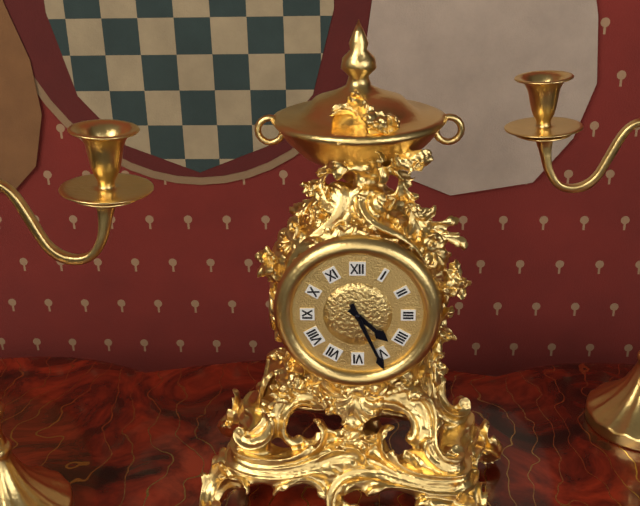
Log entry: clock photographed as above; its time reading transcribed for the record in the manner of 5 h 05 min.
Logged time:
4 h 26 min
